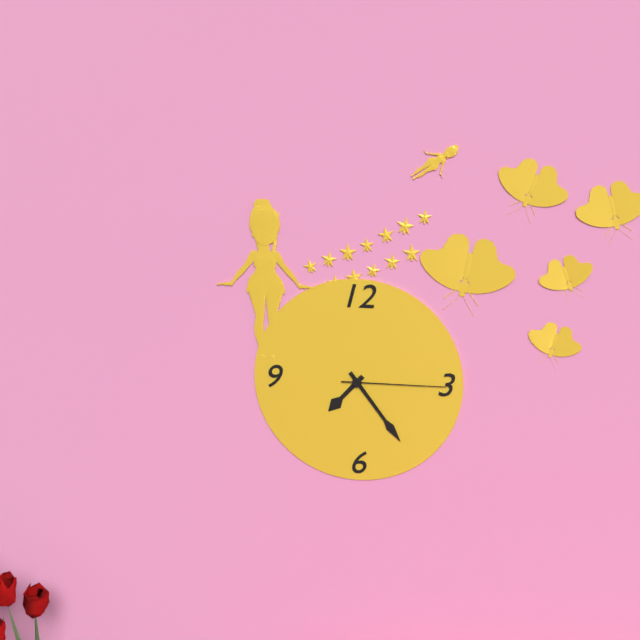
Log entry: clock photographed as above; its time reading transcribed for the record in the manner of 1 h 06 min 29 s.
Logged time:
7 h 24 min 15 s
